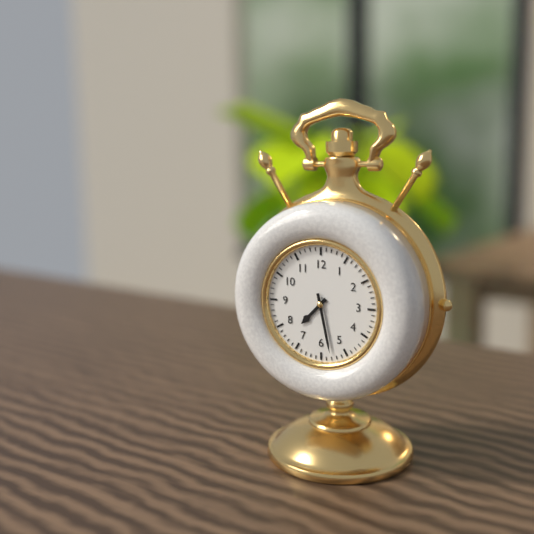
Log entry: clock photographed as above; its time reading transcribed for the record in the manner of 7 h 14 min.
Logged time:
7 h 28 min
